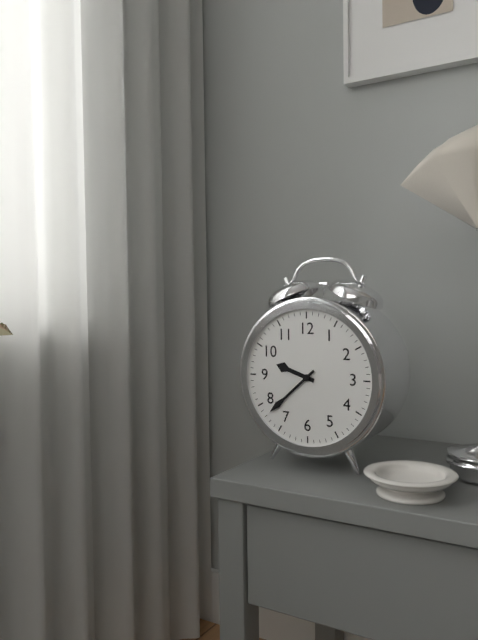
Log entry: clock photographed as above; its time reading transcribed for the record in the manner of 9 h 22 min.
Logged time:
9 h 38 min
